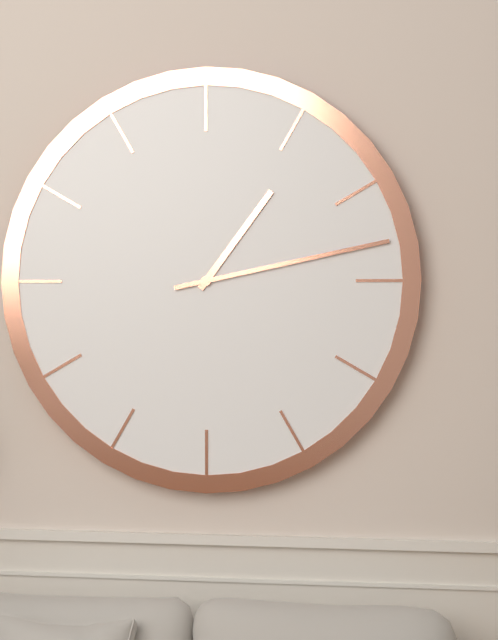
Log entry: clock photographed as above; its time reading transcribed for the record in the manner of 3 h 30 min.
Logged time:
1 h 13 min
